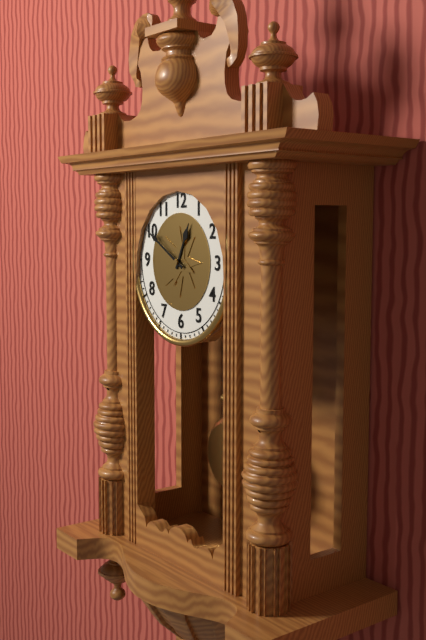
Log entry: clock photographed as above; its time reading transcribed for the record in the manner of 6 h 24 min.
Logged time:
12 h 50 min
